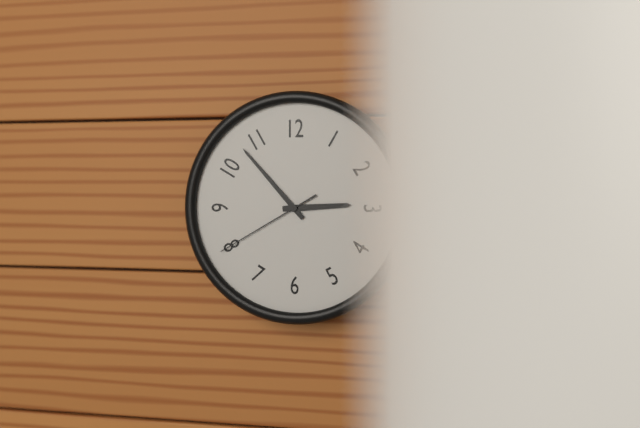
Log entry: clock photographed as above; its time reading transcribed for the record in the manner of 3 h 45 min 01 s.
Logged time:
2 h 53 min 40 s
